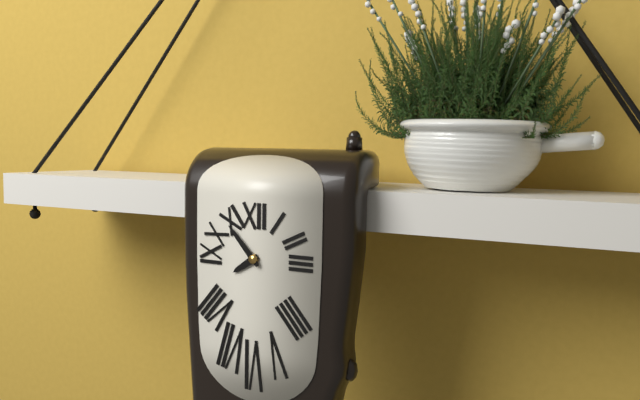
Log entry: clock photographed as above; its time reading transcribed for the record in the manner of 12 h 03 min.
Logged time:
7 h 53 min
